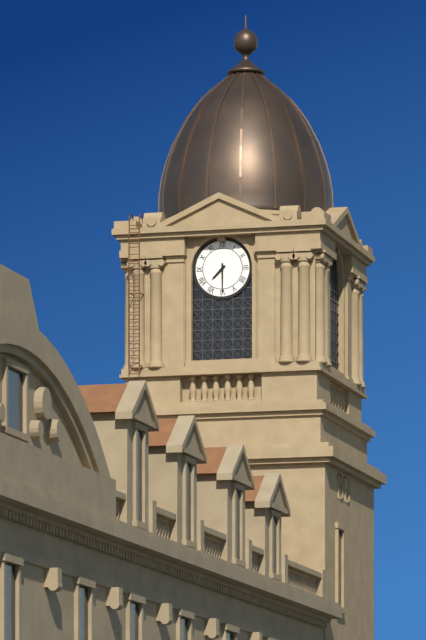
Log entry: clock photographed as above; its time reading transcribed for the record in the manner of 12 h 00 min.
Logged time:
7 h 30 min
